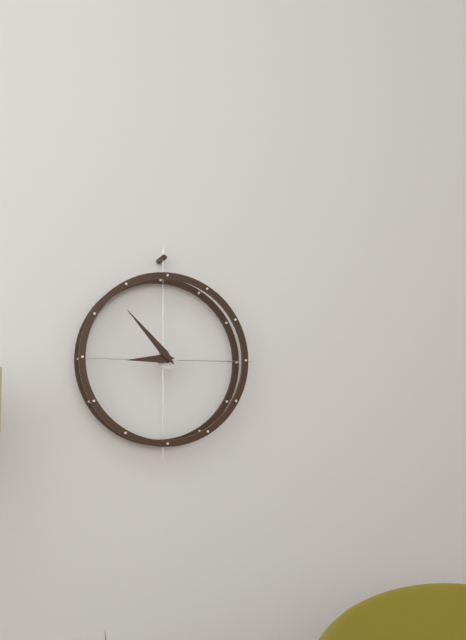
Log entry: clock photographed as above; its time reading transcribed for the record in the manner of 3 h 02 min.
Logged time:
8 h 53 min
